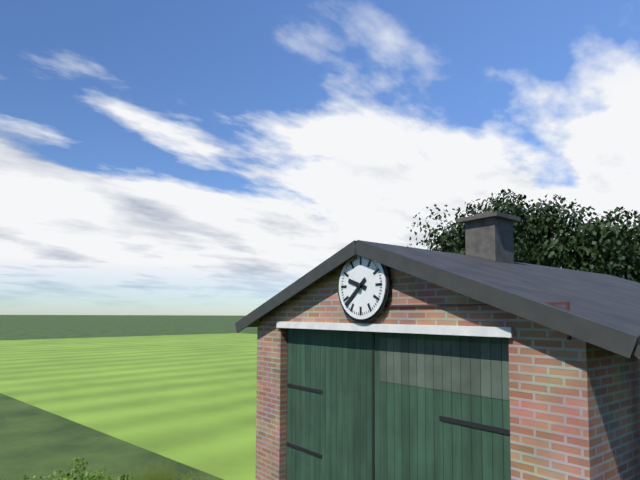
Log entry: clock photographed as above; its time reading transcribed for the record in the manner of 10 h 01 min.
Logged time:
9 h 38 min
